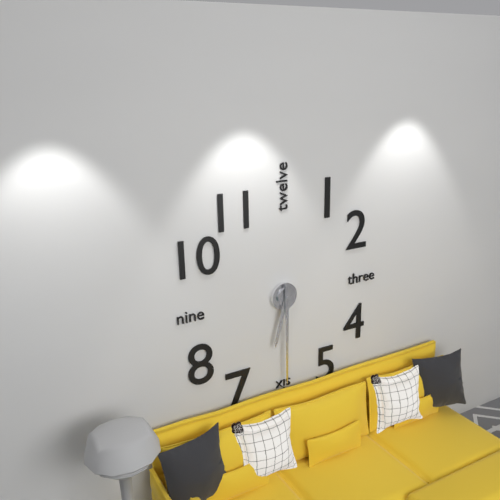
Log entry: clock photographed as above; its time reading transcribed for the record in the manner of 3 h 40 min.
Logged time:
6 h 30 min
